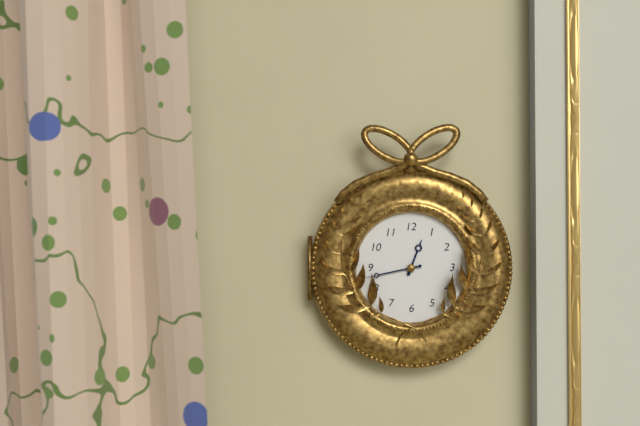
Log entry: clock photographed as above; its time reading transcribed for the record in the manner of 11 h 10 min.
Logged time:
12 h 43 min
